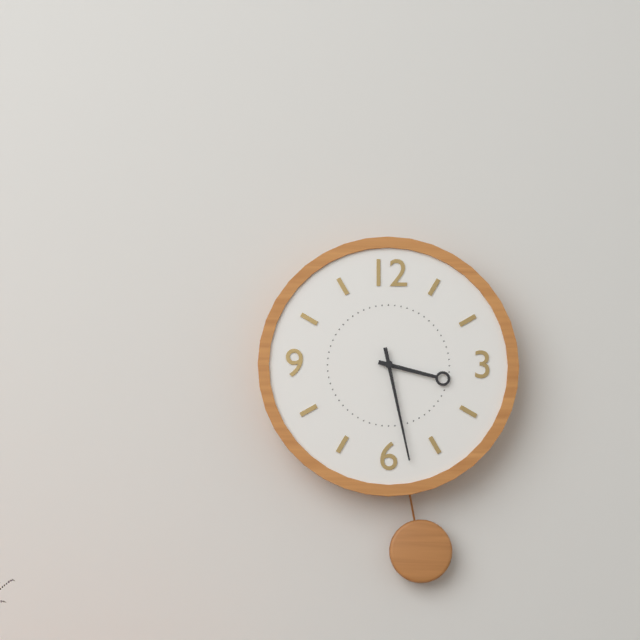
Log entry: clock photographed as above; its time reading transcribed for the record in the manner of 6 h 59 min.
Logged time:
3 h 28 min
